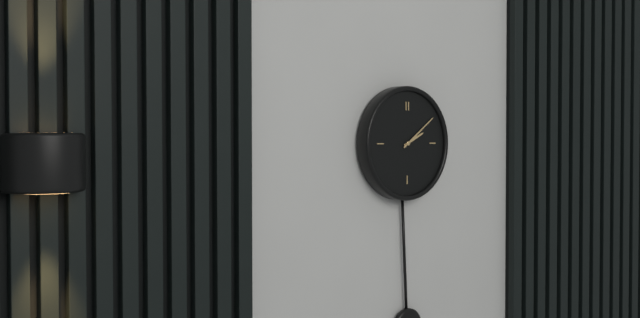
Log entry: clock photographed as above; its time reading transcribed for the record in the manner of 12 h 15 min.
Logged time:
2 h 09 min
